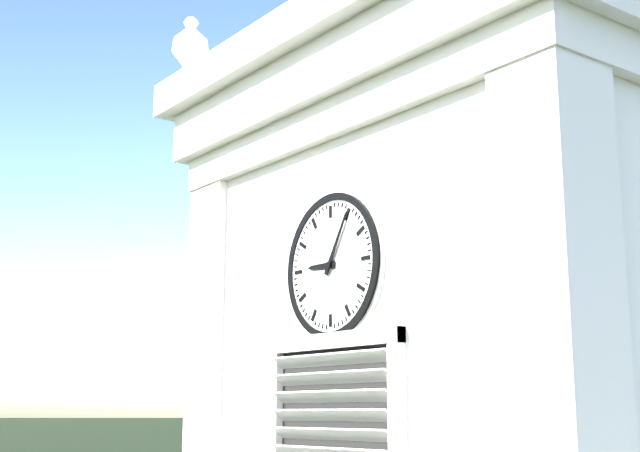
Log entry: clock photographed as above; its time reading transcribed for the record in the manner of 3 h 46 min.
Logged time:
9 h 05 min
